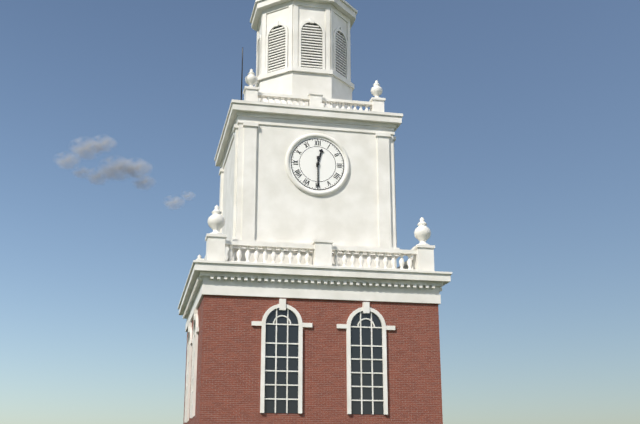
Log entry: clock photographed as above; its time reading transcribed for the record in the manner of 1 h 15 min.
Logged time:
12 h 30 min
